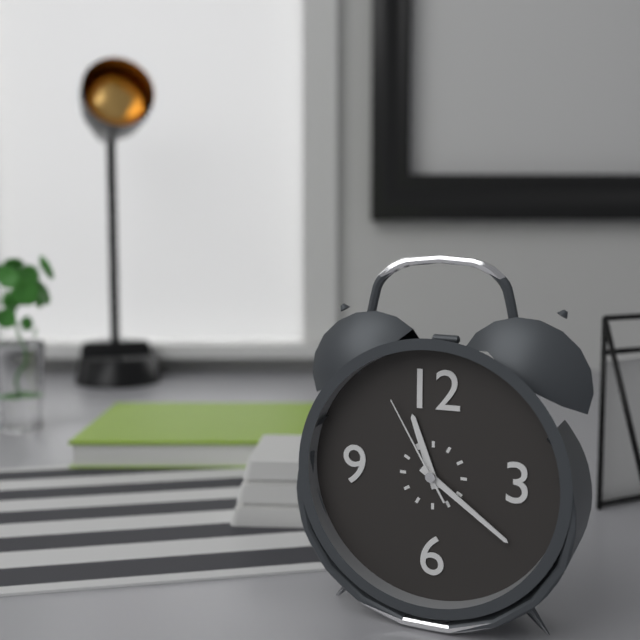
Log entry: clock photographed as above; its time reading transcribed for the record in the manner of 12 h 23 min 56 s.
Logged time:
11 h 21 min 55 s
